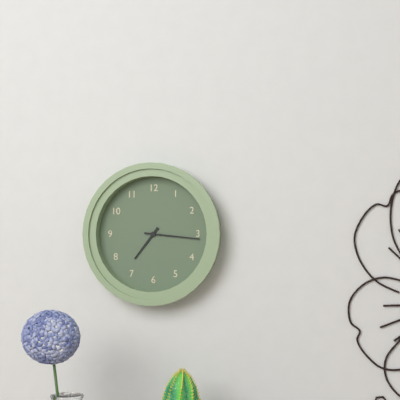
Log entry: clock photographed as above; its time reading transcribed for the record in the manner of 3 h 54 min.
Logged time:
7 h 16 min
